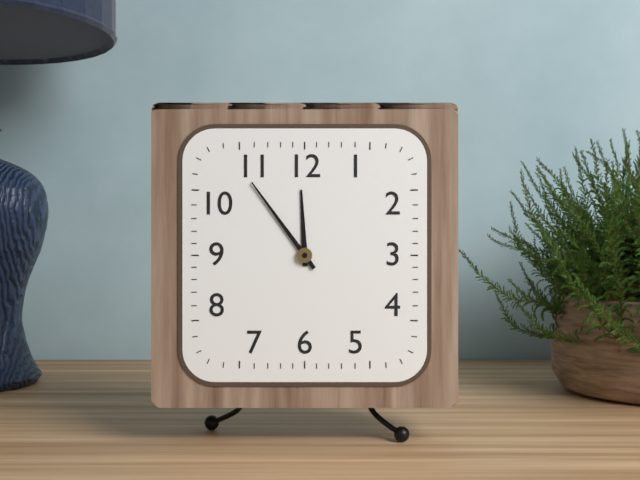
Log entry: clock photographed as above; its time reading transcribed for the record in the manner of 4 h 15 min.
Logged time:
11 h 54 min
